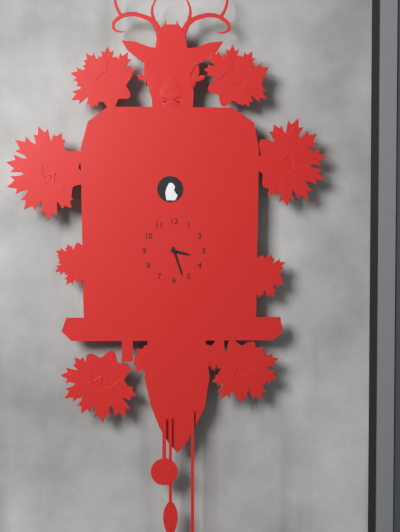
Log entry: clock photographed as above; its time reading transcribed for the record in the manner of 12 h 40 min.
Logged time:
3 h 27 min
